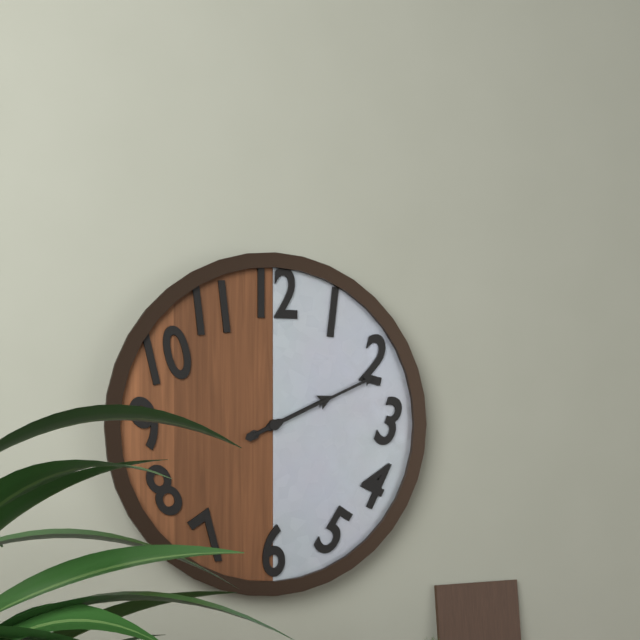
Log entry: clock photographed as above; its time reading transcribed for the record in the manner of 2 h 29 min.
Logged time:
2 h 11 min
